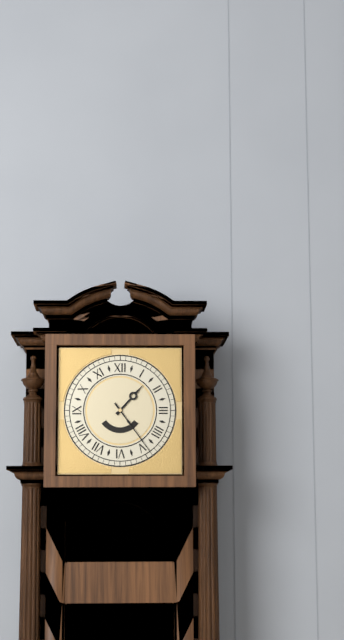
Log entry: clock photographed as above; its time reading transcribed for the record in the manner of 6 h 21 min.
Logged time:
1 h 24 min
